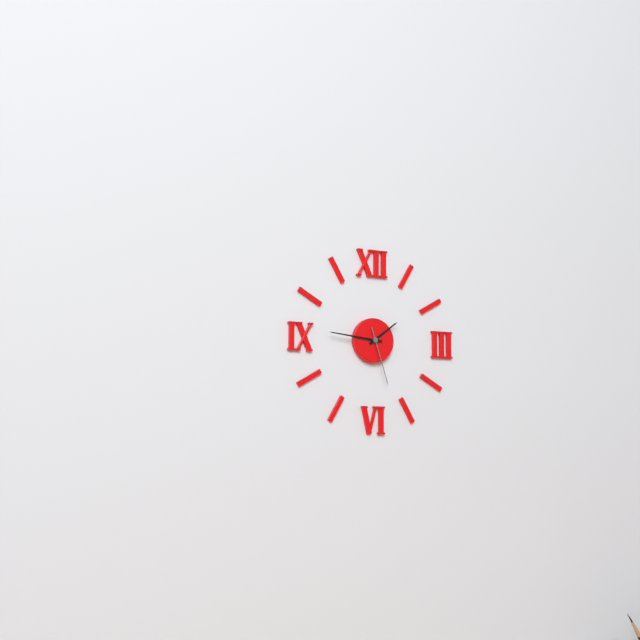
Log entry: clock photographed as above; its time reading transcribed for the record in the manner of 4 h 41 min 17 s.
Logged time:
1 h 46 min 27 s
